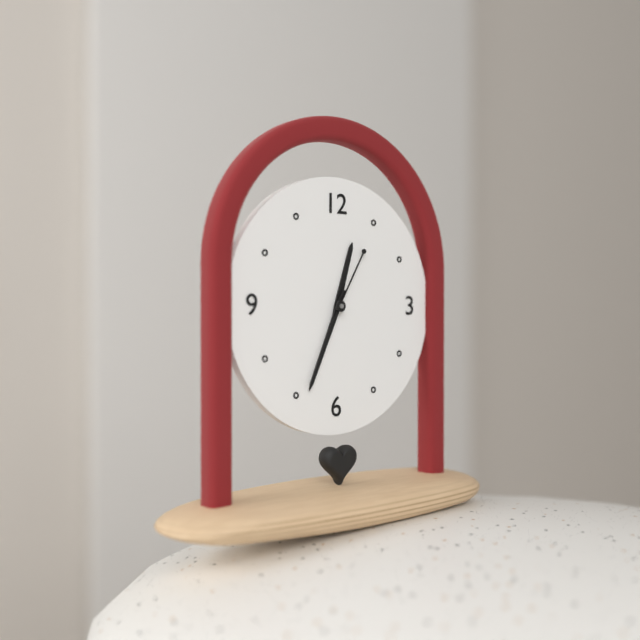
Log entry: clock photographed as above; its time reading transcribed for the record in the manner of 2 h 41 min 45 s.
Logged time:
12 h 34 min 05 s
